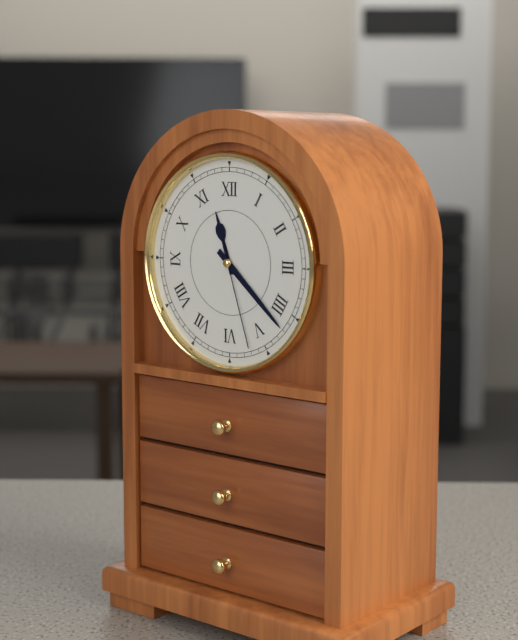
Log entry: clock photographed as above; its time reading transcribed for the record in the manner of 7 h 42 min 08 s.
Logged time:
11 h 22 min 27 s
